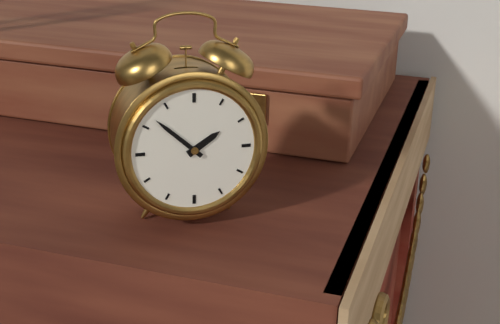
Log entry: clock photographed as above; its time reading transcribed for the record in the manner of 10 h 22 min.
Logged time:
1 h 52 min
